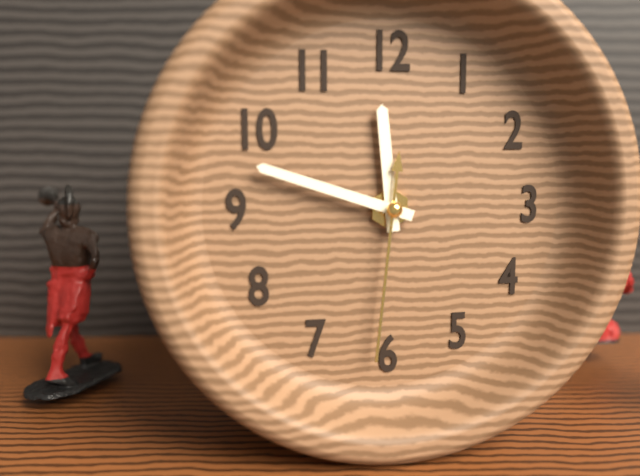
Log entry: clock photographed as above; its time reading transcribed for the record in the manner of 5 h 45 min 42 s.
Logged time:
11 h 48 min 31 s
